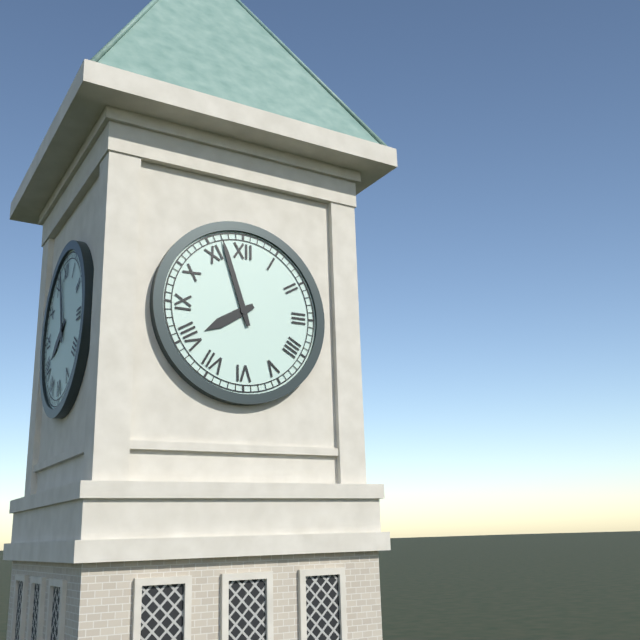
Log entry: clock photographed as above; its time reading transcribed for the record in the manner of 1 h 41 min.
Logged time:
7 h 57 min
